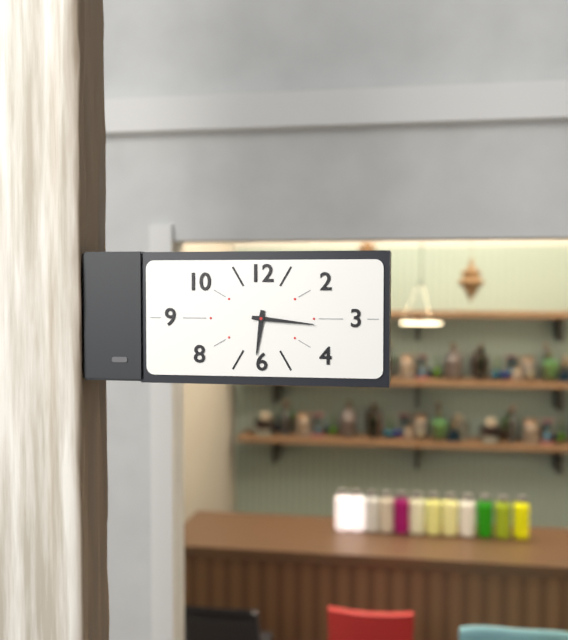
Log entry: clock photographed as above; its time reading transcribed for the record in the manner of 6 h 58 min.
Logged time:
6 h 16 min
